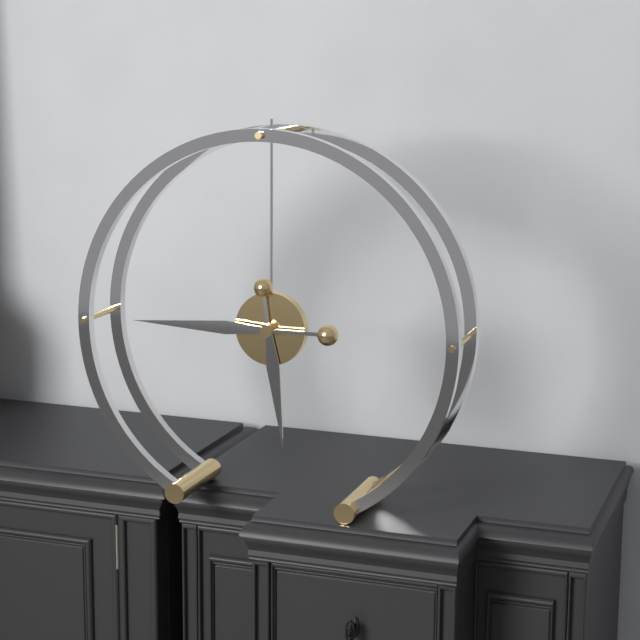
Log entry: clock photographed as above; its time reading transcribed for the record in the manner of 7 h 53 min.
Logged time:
5 h 45 min
